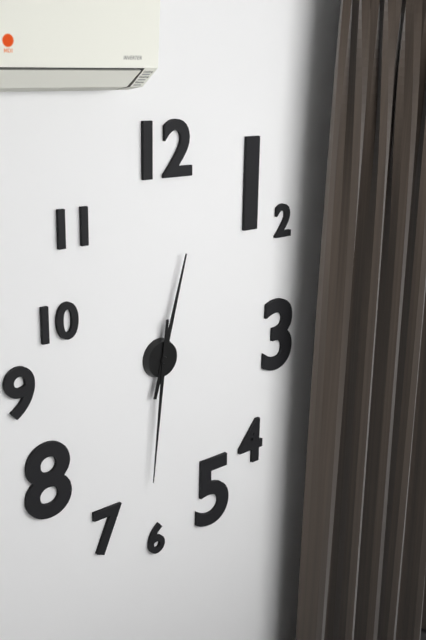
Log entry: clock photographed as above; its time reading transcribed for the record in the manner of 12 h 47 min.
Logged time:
12 h 31 min
